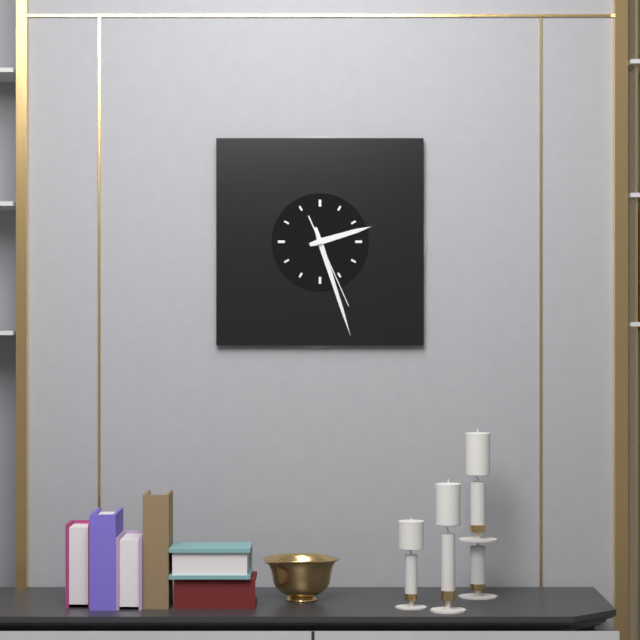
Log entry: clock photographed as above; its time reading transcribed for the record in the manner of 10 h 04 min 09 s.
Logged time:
2 h 27 min 26 s
